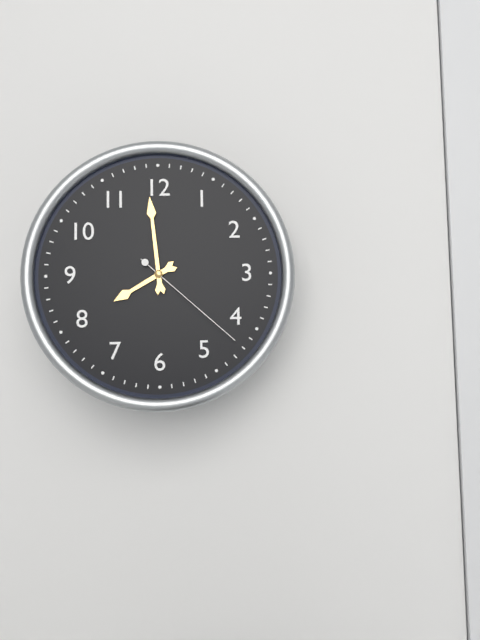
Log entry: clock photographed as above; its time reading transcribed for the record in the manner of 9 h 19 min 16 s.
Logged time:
7 h 59 min 22 s
